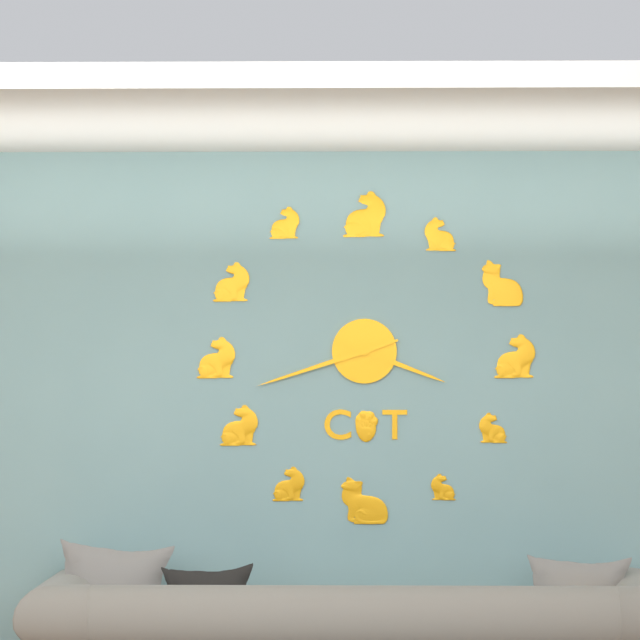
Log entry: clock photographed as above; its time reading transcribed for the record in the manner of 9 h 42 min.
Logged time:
3 h 42 min
